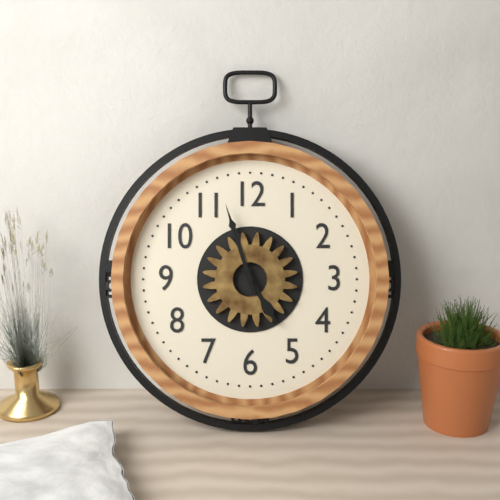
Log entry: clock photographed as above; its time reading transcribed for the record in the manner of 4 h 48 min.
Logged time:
4 h 57 min
